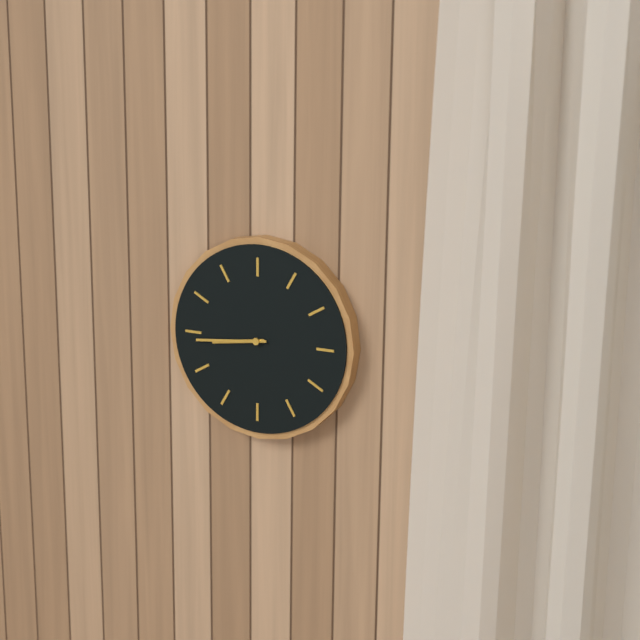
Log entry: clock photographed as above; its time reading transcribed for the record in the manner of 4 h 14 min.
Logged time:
8 h 44 min
